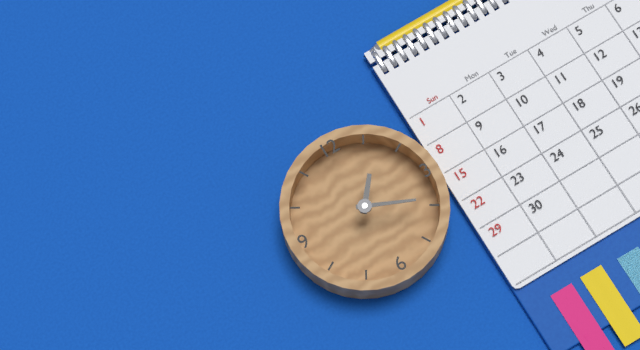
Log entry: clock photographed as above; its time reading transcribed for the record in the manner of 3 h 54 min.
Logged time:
1 h 19 min
